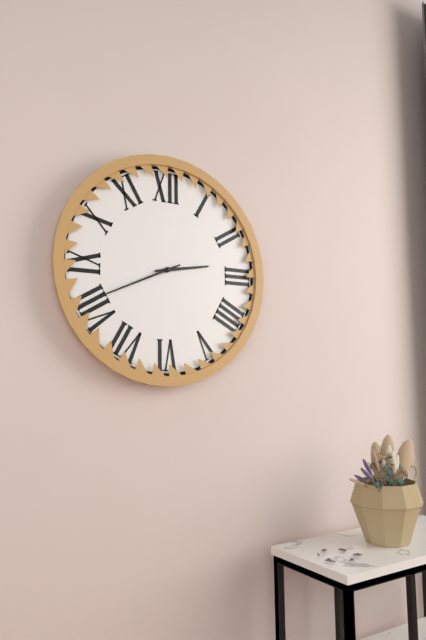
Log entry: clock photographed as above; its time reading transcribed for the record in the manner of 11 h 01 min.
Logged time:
2 h 41 min
